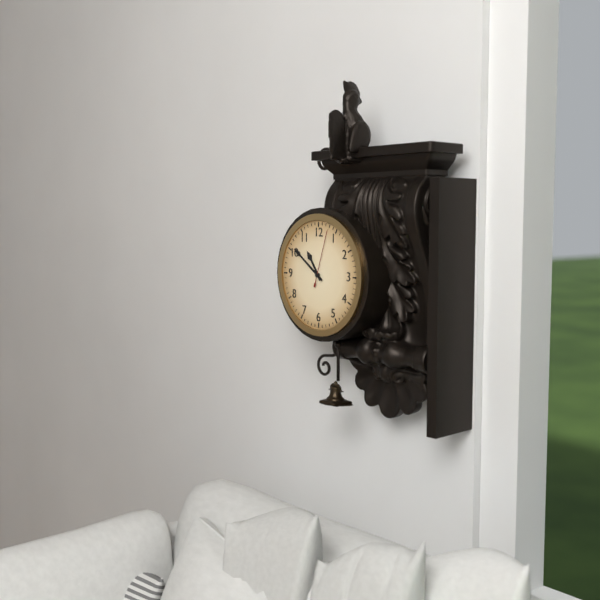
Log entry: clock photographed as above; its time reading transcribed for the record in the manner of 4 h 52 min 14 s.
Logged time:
10 h 51 min 03 s
